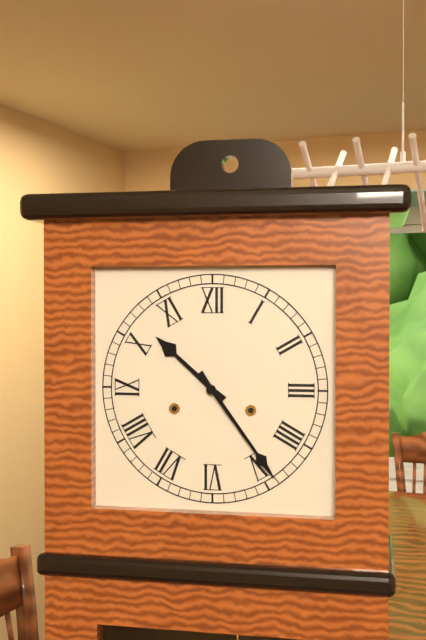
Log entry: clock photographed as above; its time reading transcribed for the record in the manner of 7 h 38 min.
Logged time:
10 h 24 min
